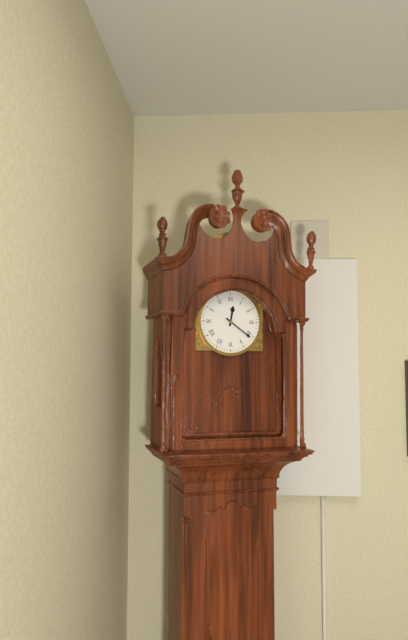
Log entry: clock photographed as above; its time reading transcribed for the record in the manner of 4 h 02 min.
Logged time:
12 h 21 min
